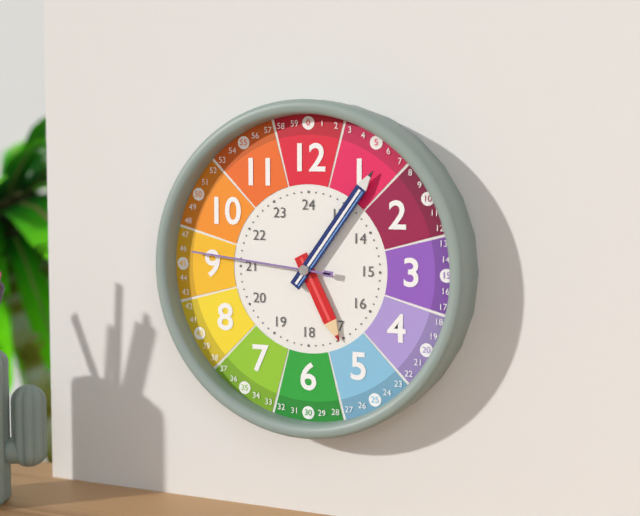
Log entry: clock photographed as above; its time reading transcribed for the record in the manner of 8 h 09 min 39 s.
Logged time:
5 h 06 min 46 s
